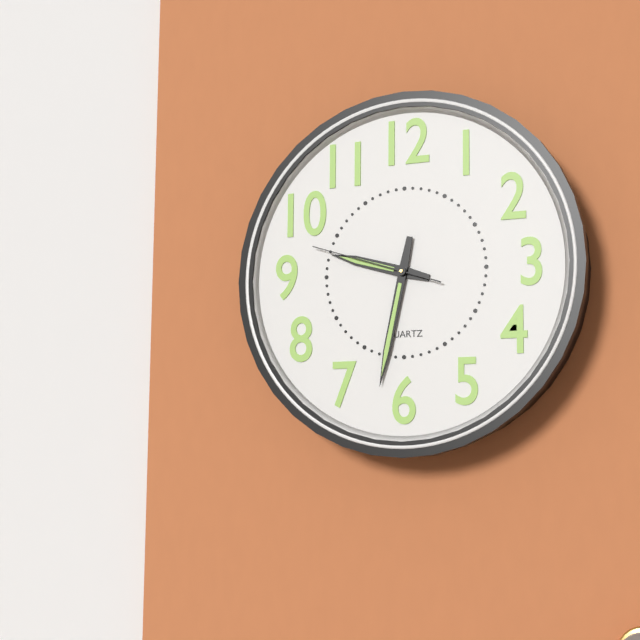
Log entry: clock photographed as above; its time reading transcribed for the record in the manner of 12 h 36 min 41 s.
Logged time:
9 h 32 min 48 s
